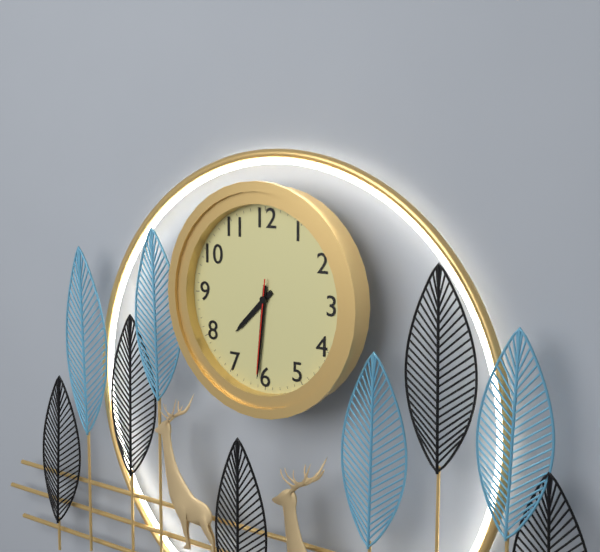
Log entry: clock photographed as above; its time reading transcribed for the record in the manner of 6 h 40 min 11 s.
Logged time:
7 h 31 min 31 s
